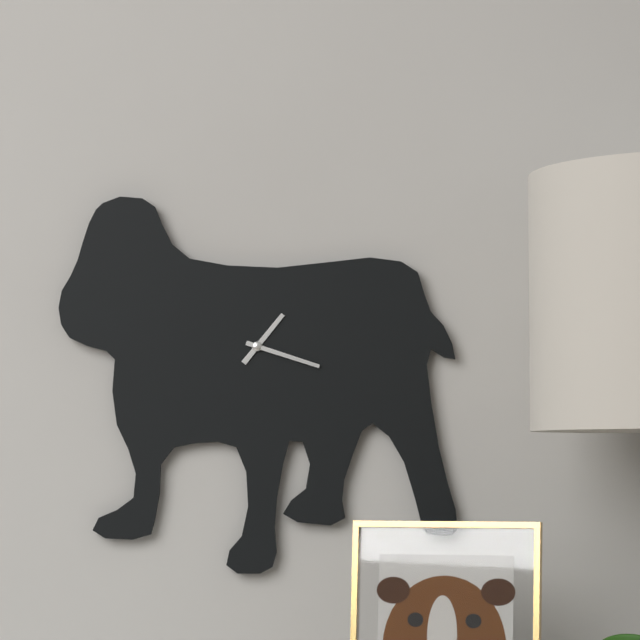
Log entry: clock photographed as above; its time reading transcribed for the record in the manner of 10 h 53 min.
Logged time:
1 h 18 min
